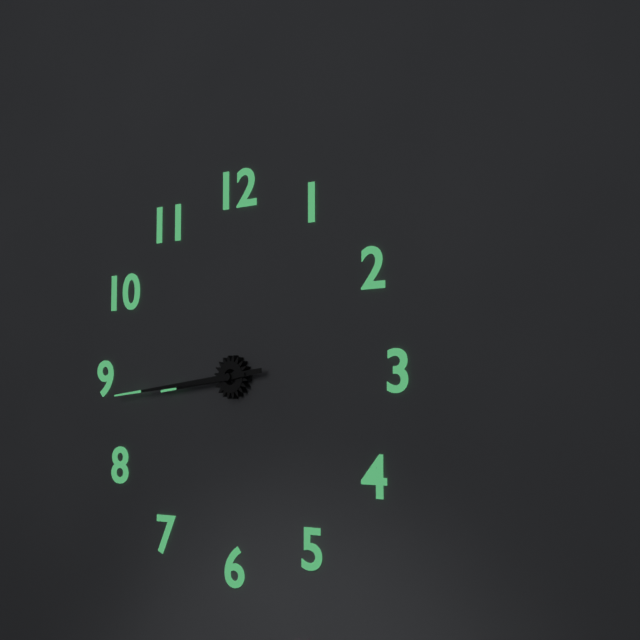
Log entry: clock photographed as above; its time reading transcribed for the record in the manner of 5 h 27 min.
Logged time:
8 h 44 min
